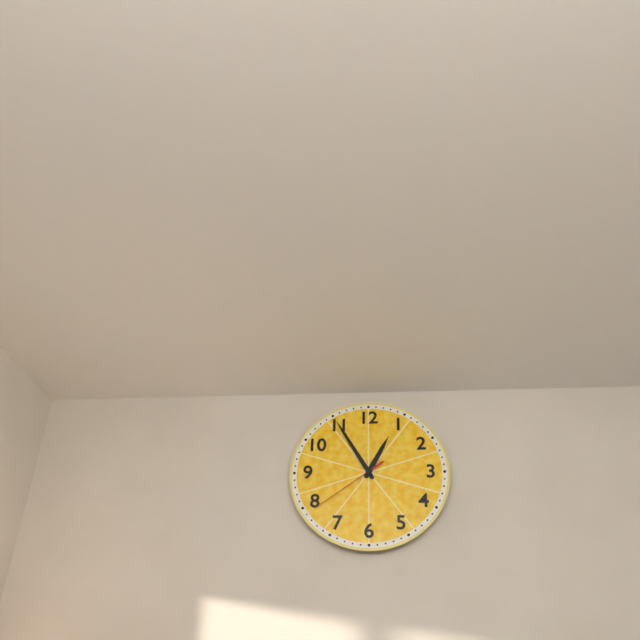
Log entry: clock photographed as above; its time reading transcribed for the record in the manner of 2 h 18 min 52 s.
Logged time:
12 h 55 min 39 s
